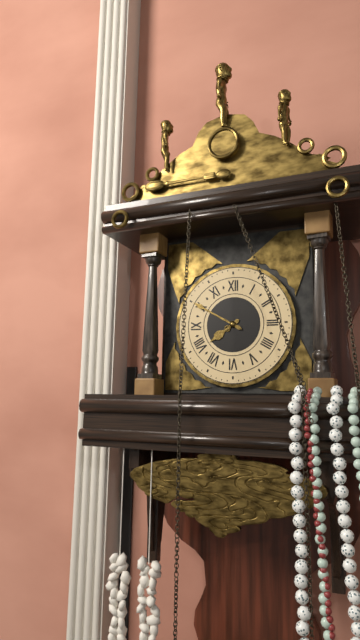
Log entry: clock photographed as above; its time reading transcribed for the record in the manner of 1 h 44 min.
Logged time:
7 h 50 min
